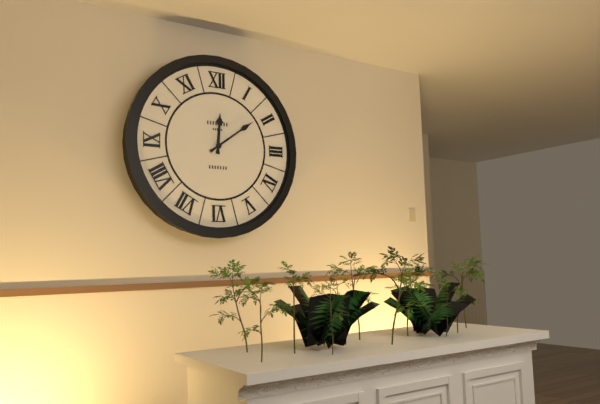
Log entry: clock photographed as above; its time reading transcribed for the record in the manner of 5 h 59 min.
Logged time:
12 h 09 min
